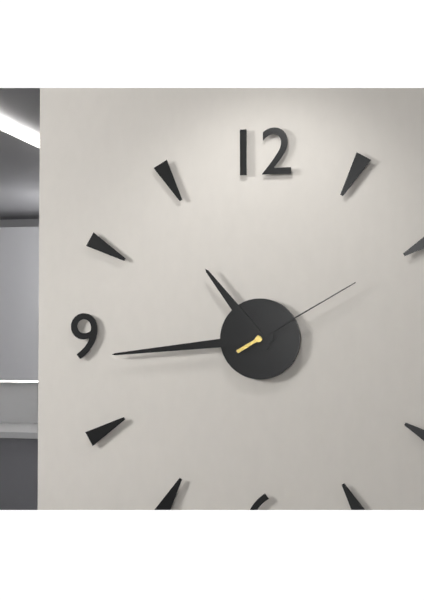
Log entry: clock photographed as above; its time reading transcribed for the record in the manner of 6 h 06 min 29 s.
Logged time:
10 h 44 min 10 s
